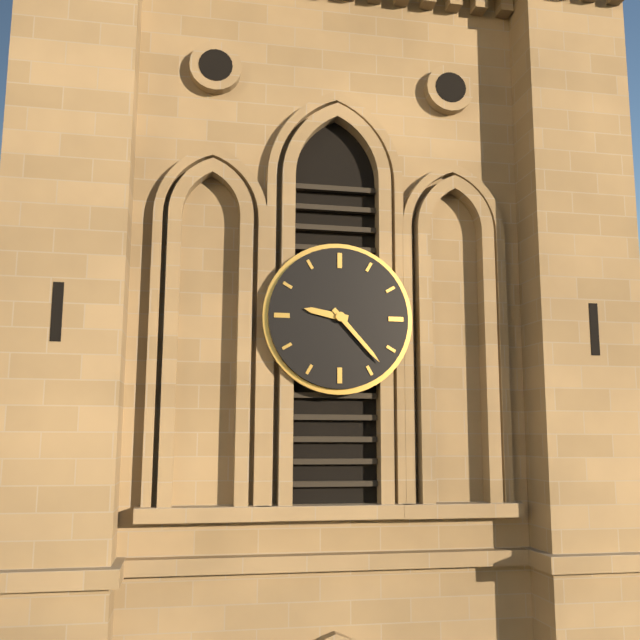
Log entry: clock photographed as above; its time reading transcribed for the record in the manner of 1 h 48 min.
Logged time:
9 h 23 min
